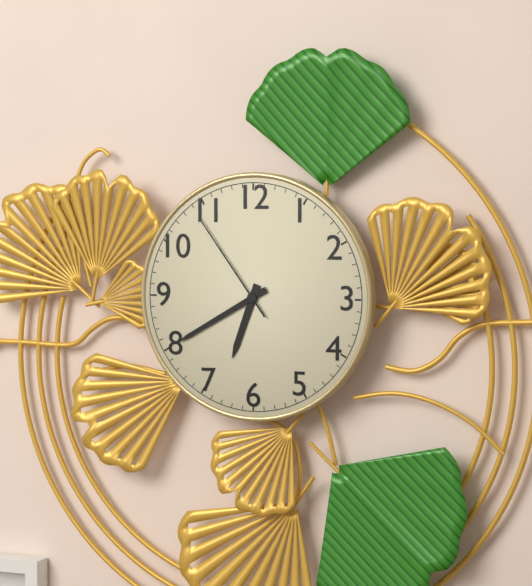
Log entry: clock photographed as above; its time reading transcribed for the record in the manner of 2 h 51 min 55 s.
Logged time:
6 h 40 min 54 s
